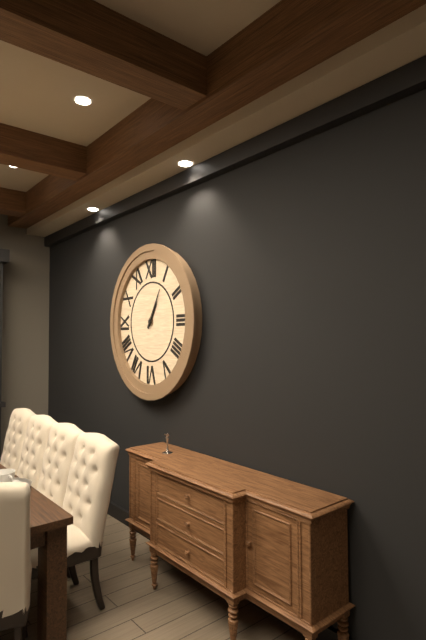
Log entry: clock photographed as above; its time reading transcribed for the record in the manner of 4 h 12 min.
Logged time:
1 h 05 min
